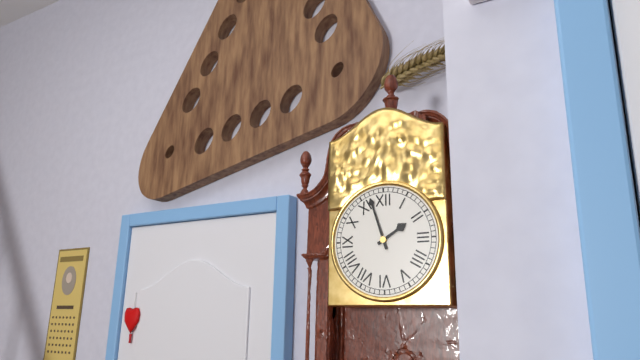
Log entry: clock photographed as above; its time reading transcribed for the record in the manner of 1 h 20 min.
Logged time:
1 h 57 min
